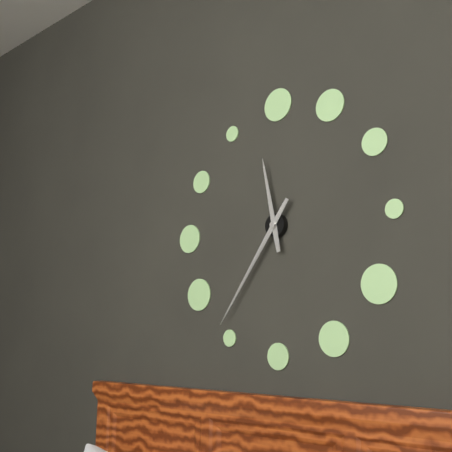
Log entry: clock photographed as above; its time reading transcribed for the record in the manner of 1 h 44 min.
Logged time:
11 h 36 min
